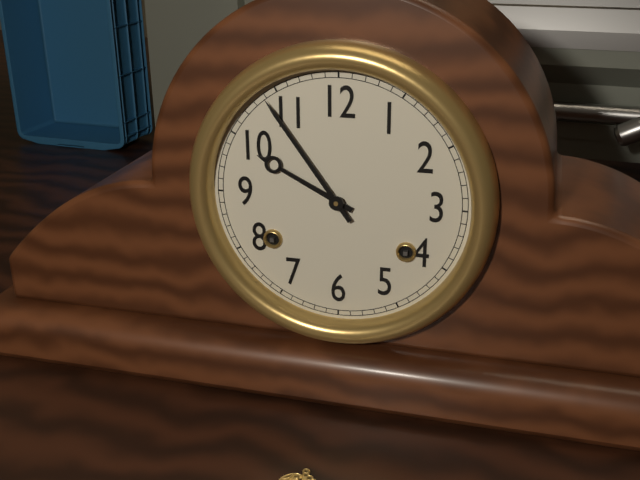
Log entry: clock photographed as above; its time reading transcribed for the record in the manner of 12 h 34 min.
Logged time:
9 h 54 min
